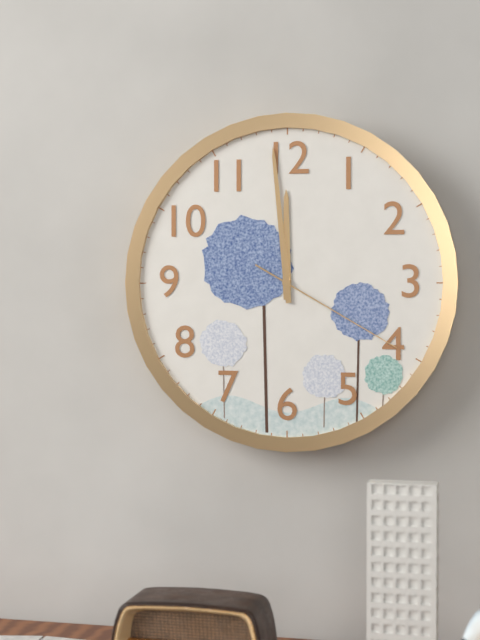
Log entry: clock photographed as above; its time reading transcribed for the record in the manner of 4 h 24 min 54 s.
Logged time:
11 h 59 min 20 s
